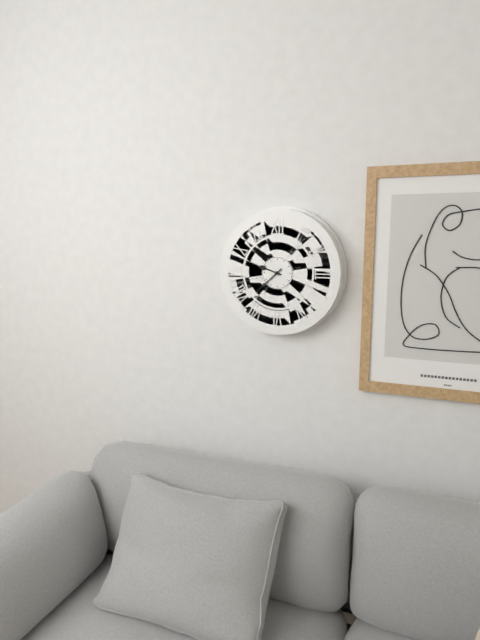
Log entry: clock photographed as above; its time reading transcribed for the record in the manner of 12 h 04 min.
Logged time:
9 h 38 min
